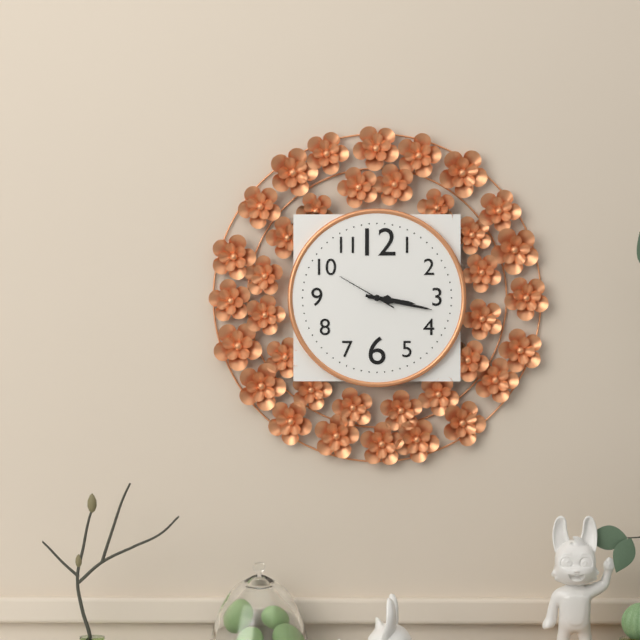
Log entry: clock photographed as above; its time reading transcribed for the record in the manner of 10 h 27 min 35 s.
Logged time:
3 h 17 min 50 s
